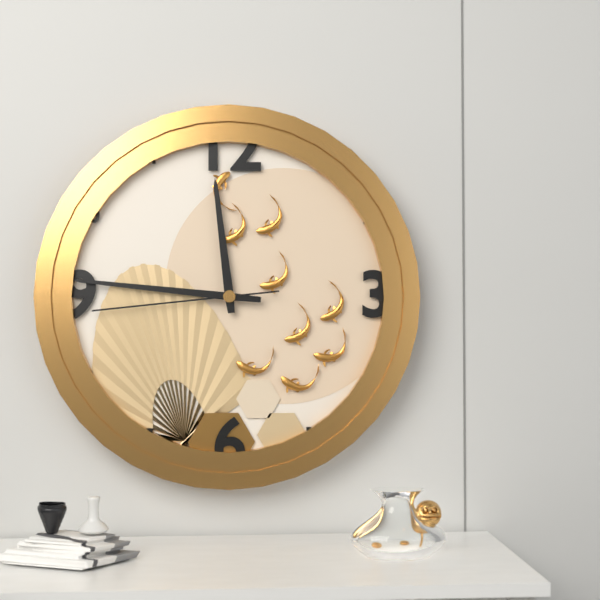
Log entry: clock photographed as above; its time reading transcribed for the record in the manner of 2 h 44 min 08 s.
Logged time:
11 h 46 min 44 s
